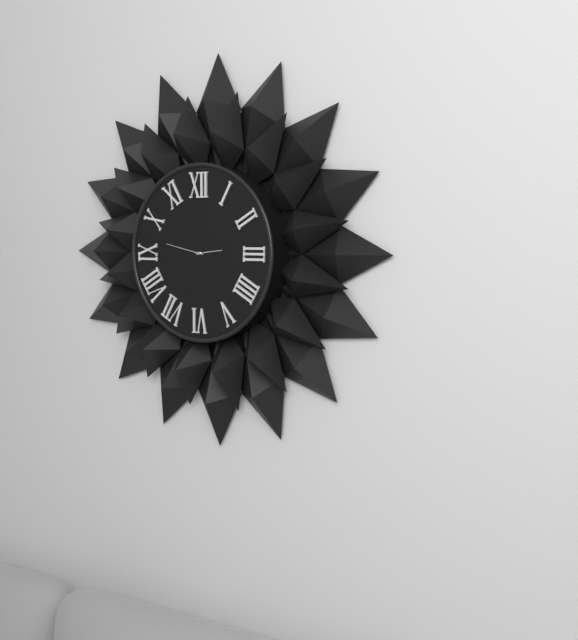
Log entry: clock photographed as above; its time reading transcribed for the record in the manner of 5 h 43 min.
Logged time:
2 h 47 min
